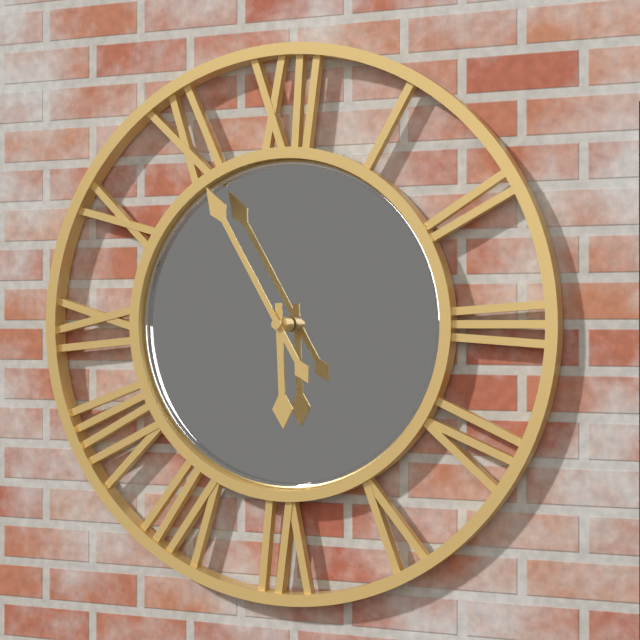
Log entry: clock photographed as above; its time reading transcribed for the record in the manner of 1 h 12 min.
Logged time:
5 h 55 min
